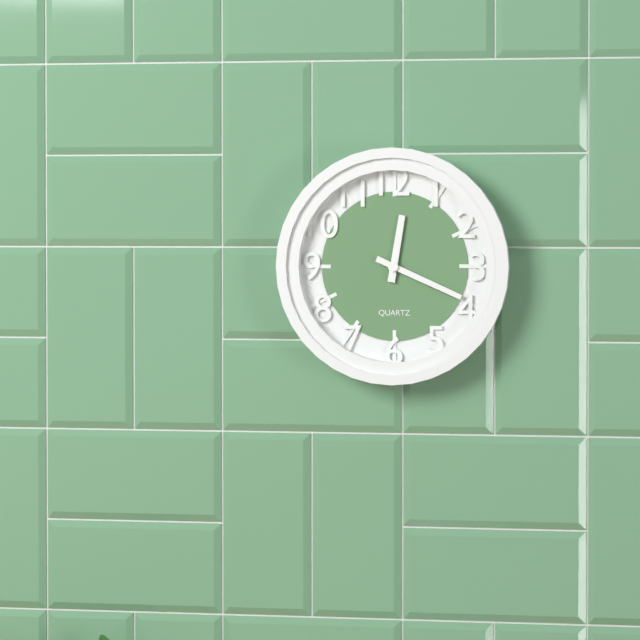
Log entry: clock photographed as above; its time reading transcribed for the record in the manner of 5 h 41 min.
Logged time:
12 h 19 min
